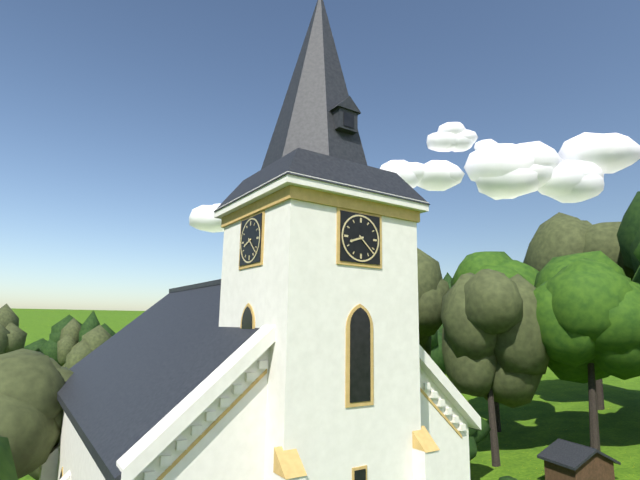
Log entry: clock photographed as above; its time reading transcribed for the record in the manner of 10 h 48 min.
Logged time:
8 h 22 min
